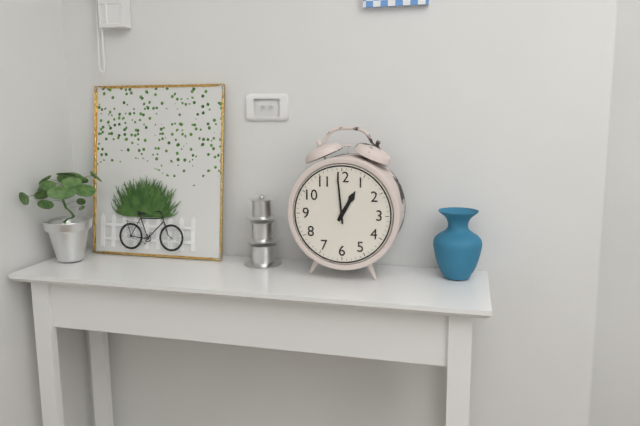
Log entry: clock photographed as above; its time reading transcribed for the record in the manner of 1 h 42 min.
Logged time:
12 h 59 min
